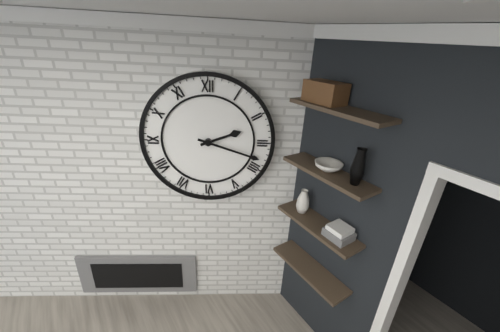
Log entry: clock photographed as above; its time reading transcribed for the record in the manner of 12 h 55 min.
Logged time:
2 h 18 min
